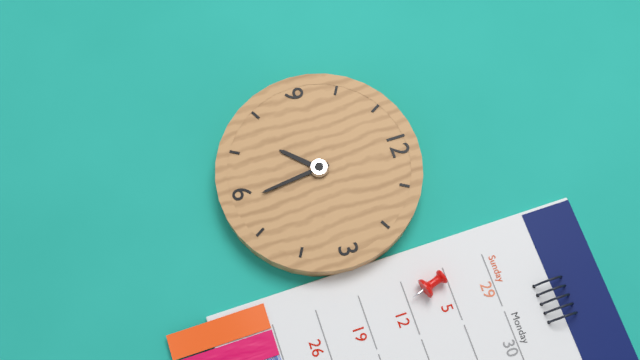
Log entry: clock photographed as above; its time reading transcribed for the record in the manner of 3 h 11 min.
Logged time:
7 h 29 min
